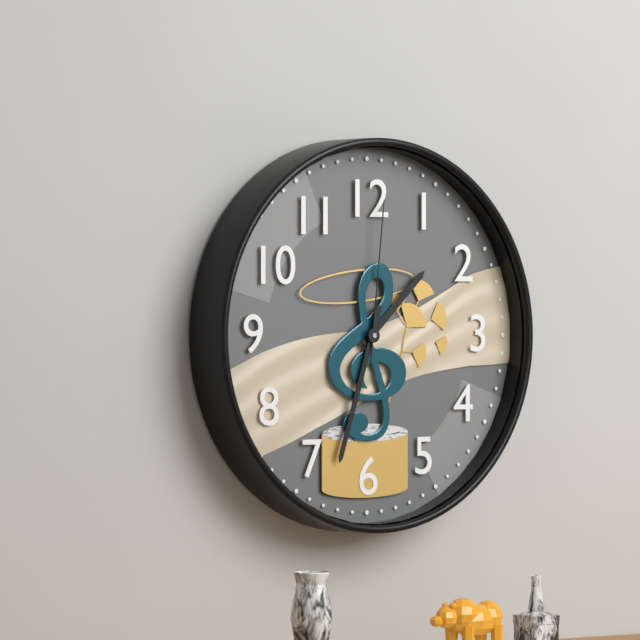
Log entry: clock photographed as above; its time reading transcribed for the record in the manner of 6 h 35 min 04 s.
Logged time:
1 h 33 min 01 s
